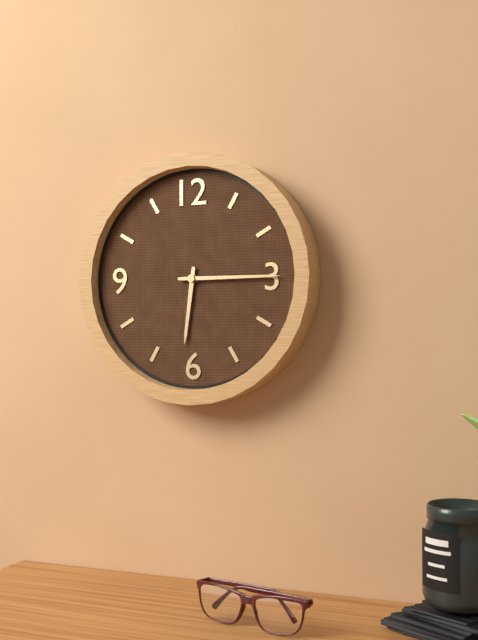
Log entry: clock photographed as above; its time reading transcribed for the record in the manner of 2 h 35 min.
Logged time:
6 h 15 min
